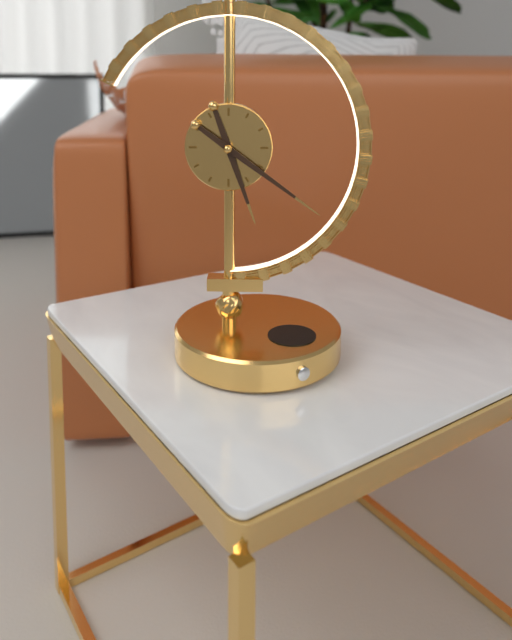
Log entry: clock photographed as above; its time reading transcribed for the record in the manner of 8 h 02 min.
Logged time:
5 h 21 min
